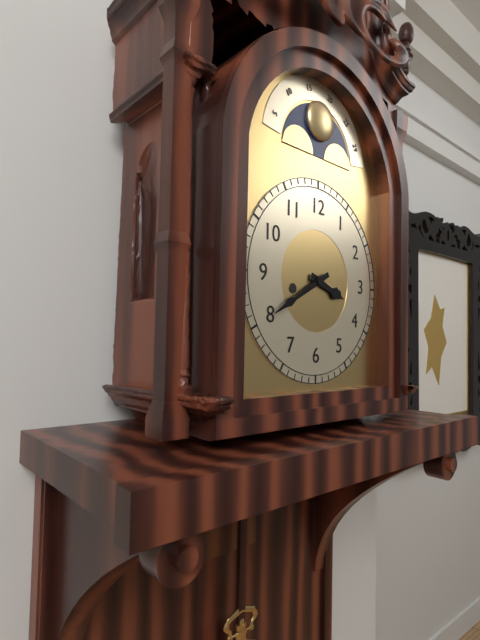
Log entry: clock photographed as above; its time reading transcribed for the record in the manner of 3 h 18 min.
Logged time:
3 h 40 min
